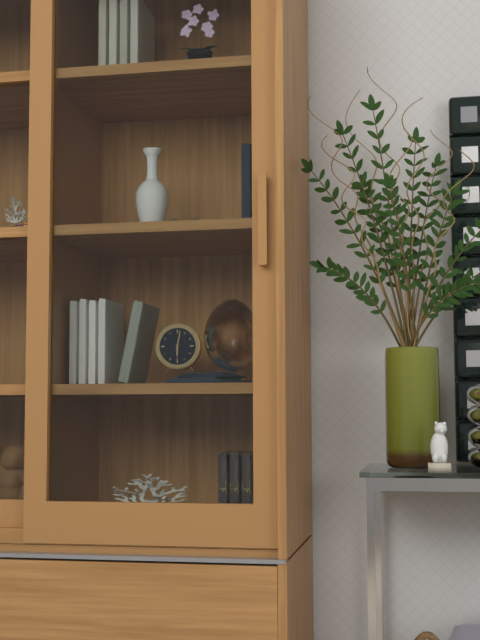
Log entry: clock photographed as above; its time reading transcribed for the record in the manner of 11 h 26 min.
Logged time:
6 h 02 min
